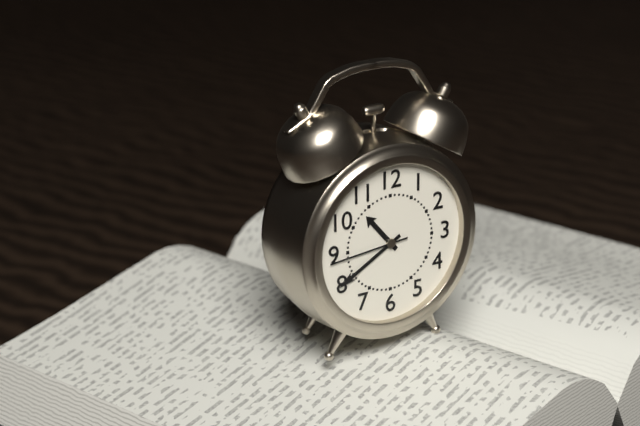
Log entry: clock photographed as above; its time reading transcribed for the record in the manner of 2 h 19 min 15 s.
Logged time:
10 h 40 min 44 s
